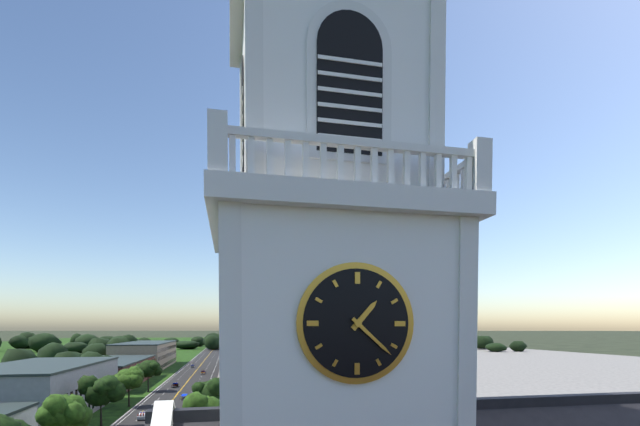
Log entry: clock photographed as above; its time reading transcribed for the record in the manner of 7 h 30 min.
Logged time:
1 h 22 min
